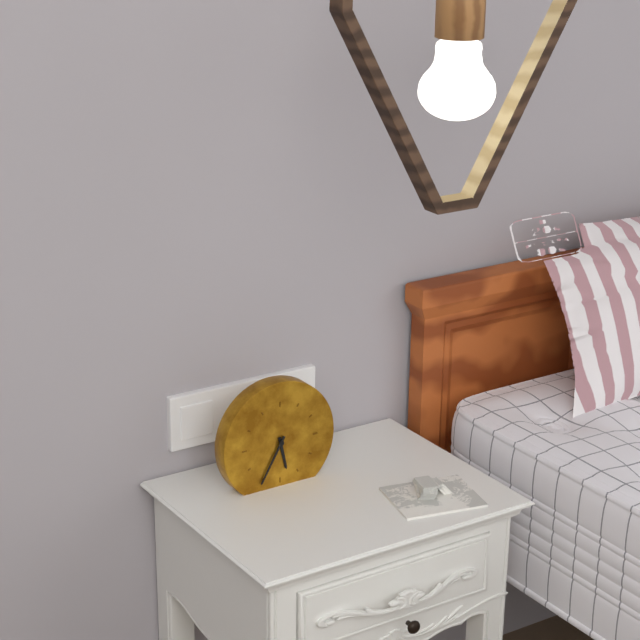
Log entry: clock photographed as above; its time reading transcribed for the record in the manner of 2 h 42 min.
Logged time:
5 h 35 min
